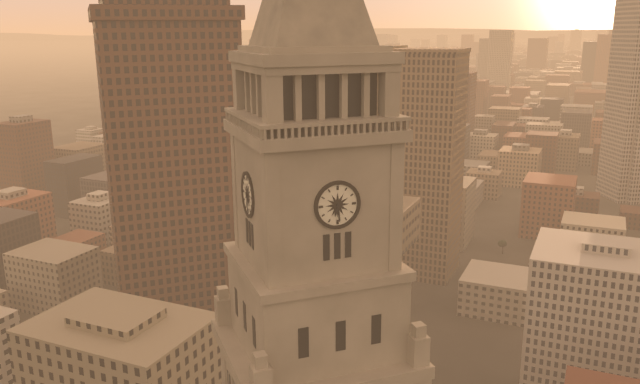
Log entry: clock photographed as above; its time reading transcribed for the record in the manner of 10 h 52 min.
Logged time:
6 h 29 min
